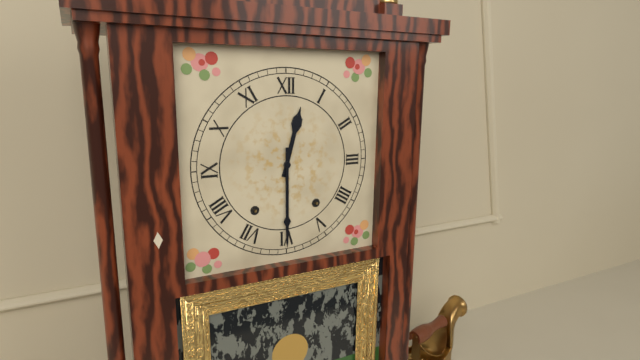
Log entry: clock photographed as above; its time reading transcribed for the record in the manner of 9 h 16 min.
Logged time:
12 h 30 min
